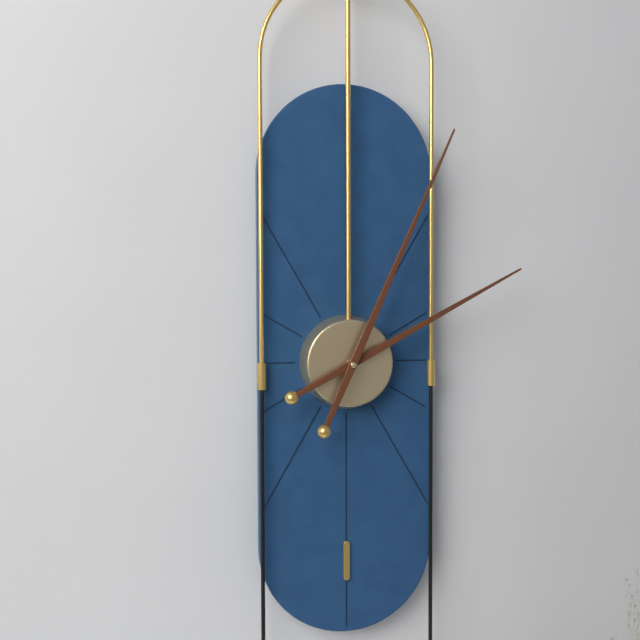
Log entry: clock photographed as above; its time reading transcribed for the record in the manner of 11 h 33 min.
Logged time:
2 h 04 min
